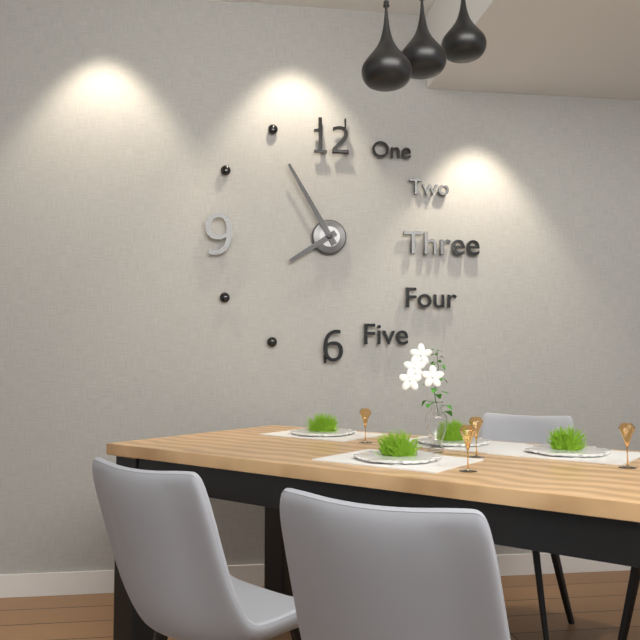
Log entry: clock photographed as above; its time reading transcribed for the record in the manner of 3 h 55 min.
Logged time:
7 h 55 min
